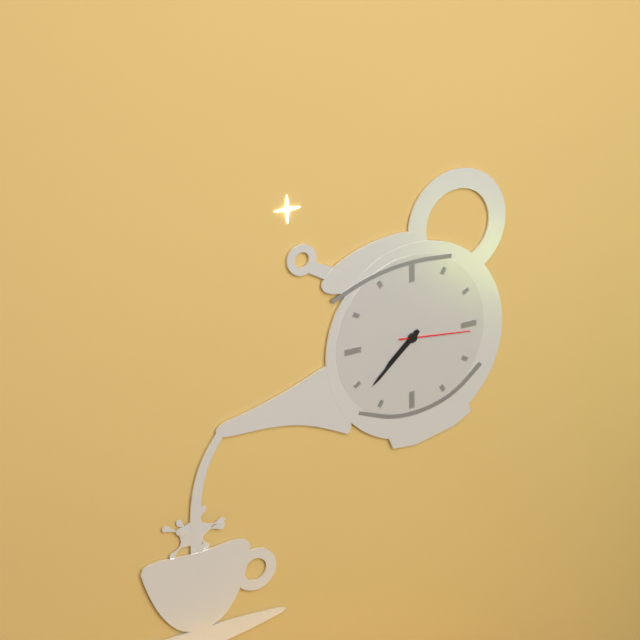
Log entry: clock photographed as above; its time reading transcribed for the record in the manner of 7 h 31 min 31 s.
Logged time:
7 h 38 min 16 s
